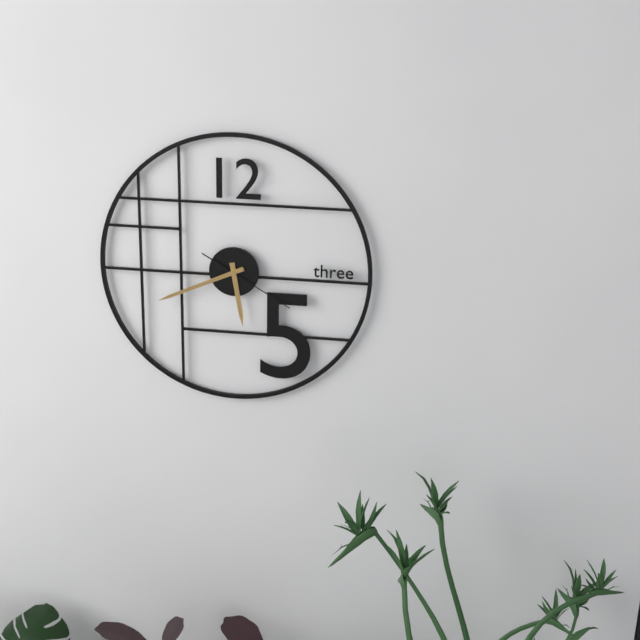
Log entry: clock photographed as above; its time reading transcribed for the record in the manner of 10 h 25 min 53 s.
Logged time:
5 h 41 min 20 s
